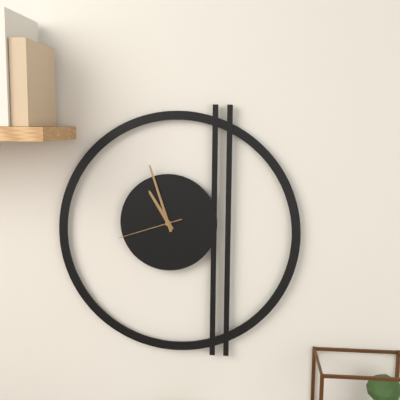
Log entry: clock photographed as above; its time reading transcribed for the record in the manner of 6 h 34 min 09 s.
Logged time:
10 h 57 min 42 s
